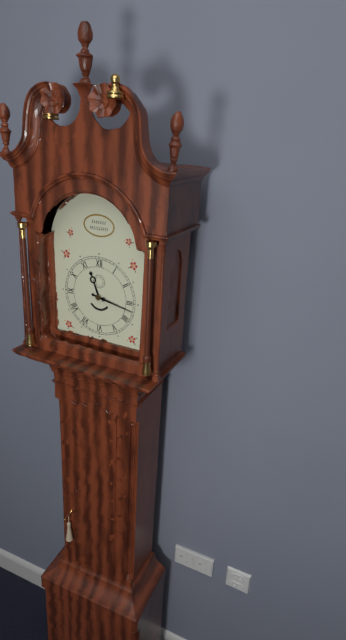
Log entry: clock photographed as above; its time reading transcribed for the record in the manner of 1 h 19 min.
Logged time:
11 h 17 min
